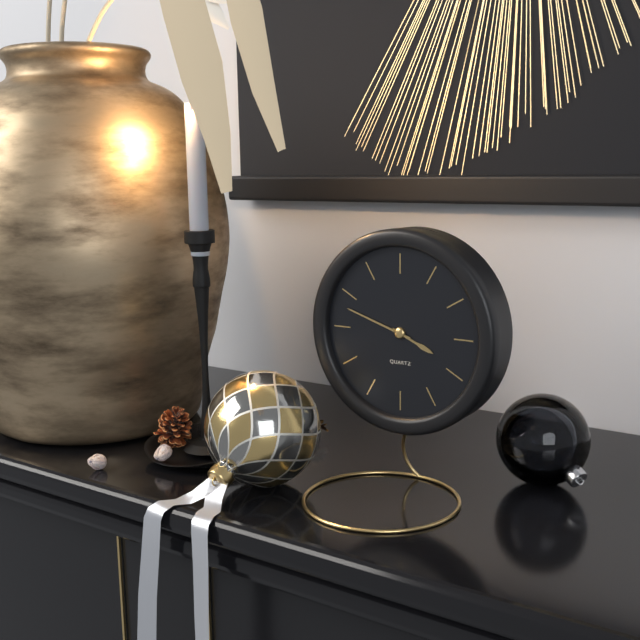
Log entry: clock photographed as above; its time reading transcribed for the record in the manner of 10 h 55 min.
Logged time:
3 h 48 min
